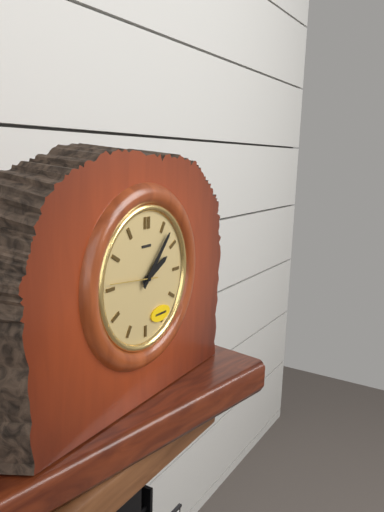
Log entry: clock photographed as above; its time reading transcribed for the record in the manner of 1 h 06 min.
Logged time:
2 h 07 min
